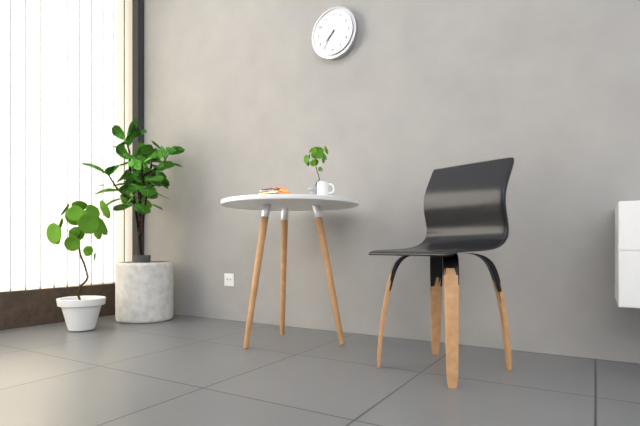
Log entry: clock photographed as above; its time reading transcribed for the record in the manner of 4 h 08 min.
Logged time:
7 h 36 min
